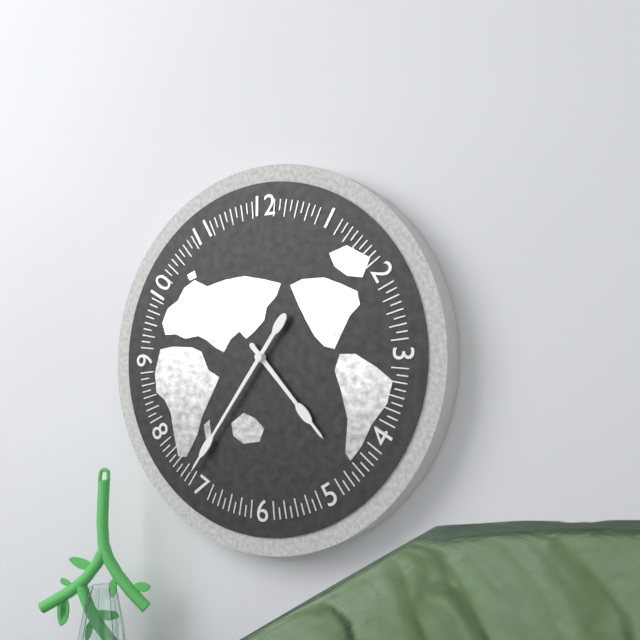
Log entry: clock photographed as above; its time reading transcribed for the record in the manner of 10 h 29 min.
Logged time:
4 h 36 min
